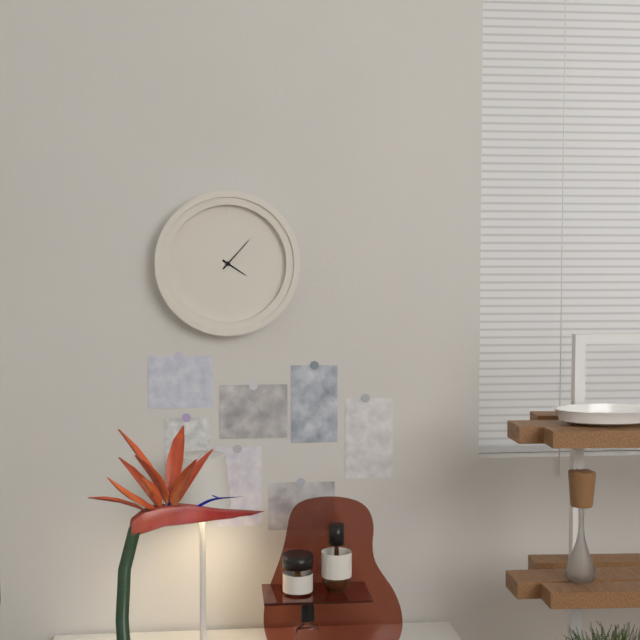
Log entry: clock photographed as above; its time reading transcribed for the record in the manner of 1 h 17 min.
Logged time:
4 h 07 min
